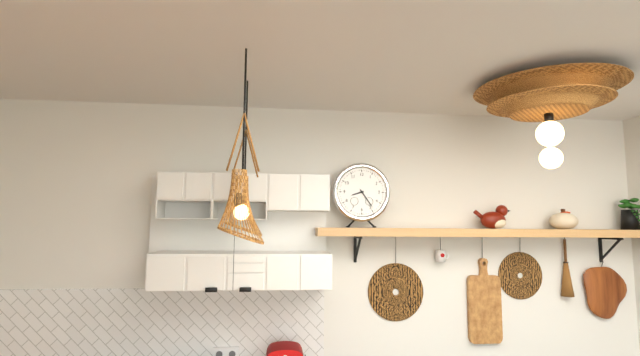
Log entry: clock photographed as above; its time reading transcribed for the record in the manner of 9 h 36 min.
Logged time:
8 h 24 min
